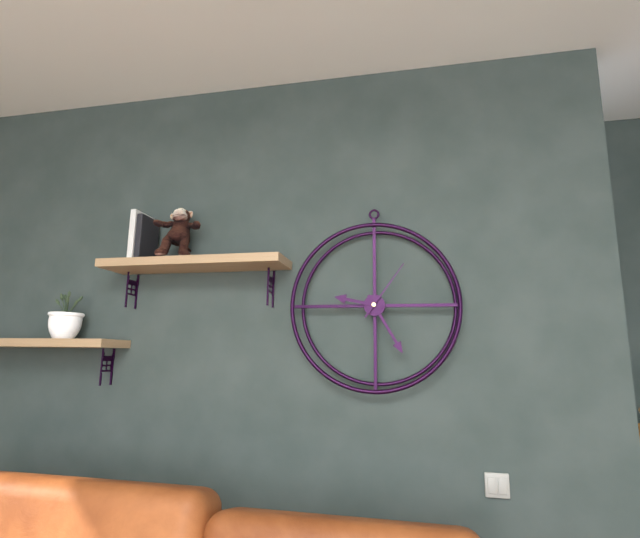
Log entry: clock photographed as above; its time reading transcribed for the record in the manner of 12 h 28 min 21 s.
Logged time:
9 h 25 min 06 s
